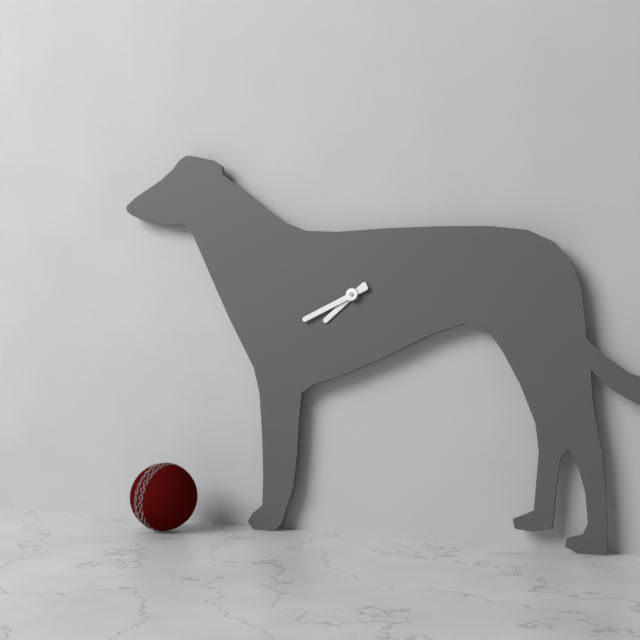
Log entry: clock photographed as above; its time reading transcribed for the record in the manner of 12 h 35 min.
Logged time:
7 h 41 min
